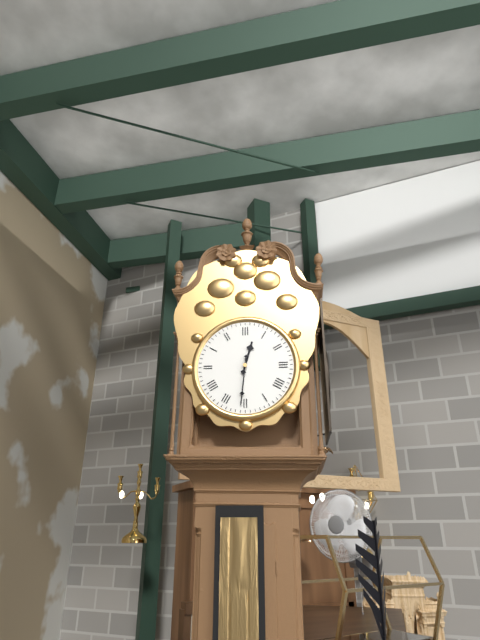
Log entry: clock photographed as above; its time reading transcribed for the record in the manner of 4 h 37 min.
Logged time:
12 h 31 min
